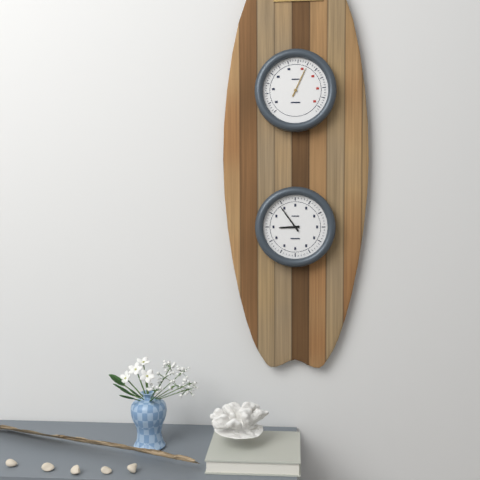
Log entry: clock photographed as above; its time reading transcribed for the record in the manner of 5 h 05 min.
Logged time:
8 h 54 min
